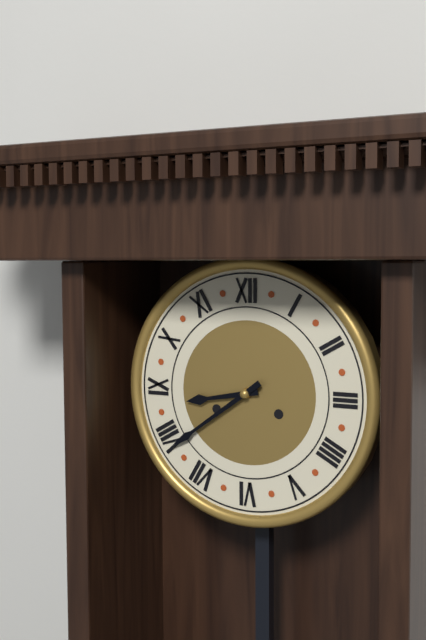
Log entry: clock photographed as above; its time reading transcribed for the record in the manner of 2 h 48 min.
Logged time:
8 h 39 min
